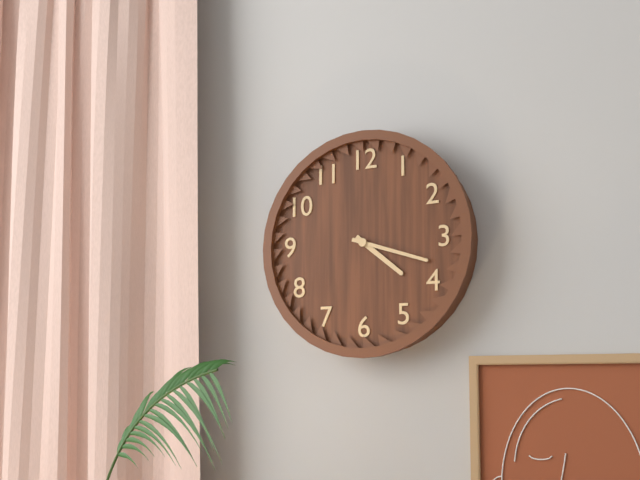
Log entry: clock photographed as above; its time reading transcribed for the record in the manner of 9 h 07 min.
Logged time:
4 h 18 min
